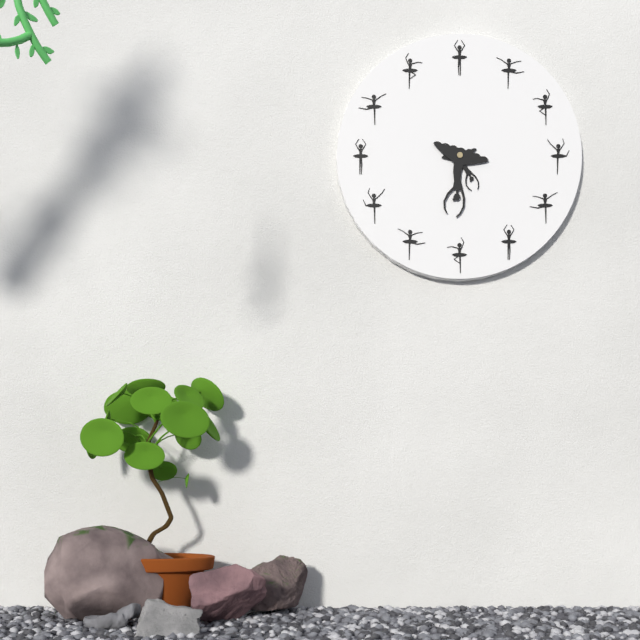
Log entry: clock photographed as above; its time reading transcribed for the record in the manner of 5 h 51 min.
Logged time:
5 h 33 min
